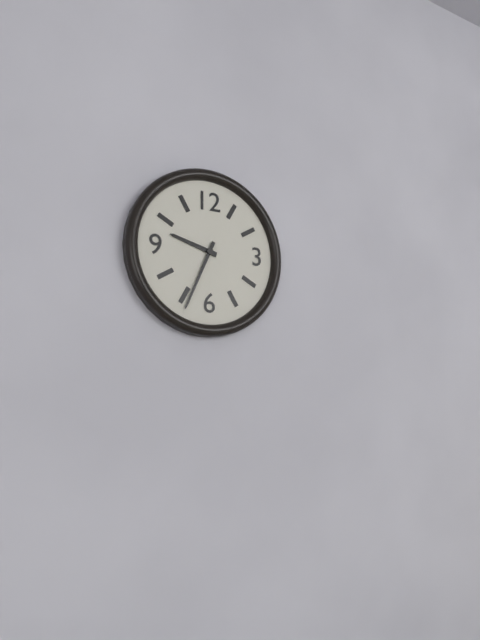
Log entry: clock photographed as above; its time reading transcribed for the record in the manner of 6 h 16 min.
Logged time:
9 h 34 min
